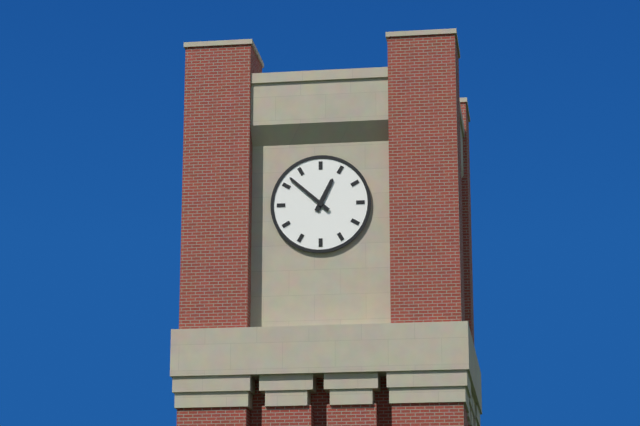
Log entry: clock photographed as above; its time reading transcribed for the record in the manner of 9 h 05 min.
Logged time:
12 h 52 min
